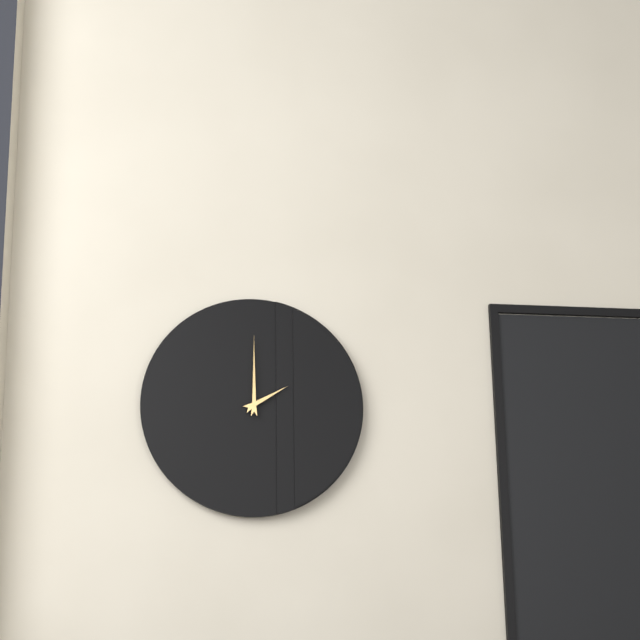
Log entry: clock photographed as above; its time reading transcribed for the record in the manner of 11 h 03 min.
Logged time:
2 h 00 min
